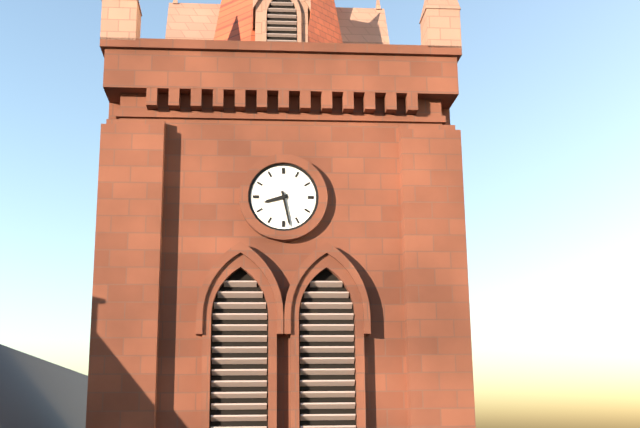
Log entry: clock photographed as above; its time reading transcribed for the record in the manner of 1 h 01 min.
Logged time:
8 h 28 min
